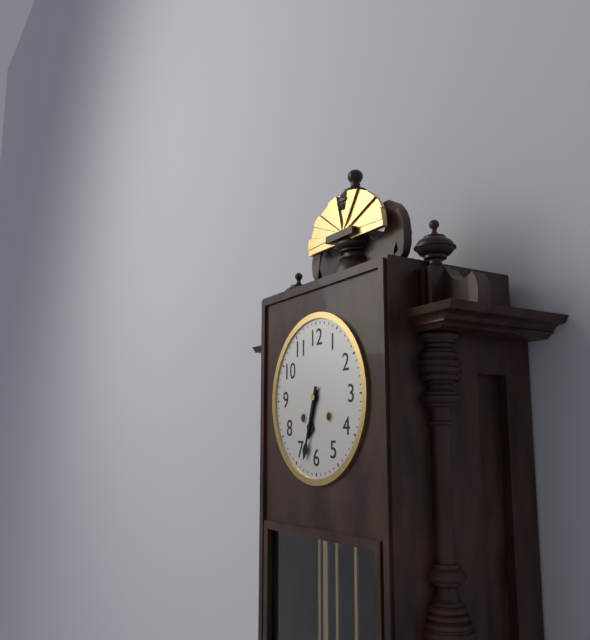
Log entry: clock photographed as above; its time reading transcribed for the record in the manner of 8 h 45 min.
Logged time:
6 h 33 min
